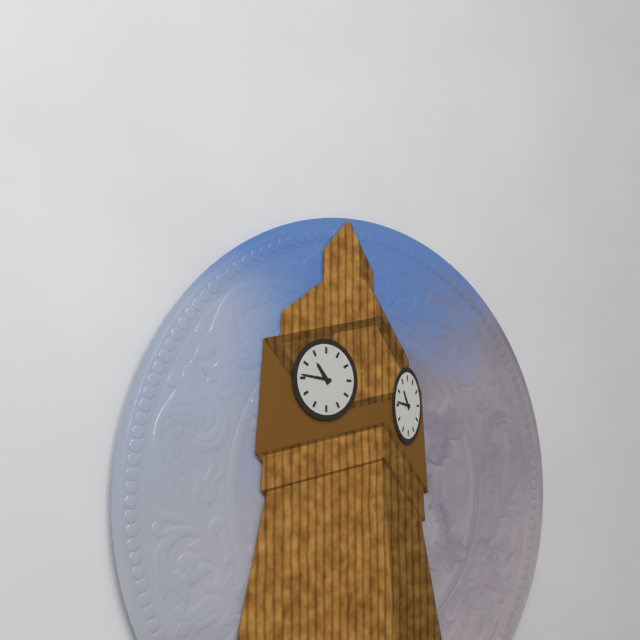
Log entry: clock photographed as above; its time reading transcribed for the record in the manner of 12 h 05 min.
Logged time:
10 h 46 min
